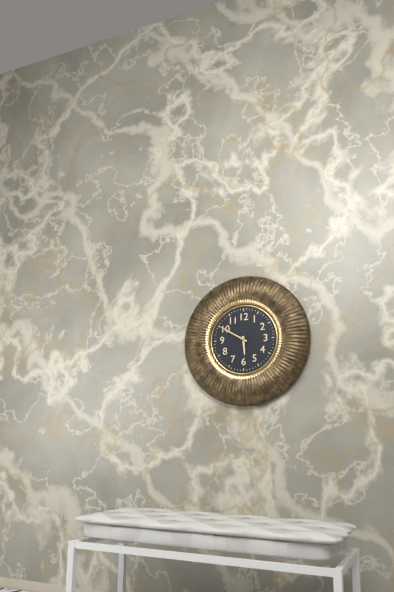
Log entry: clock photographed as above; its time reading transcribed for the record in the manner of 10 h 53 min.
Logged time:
5 h 50 min
